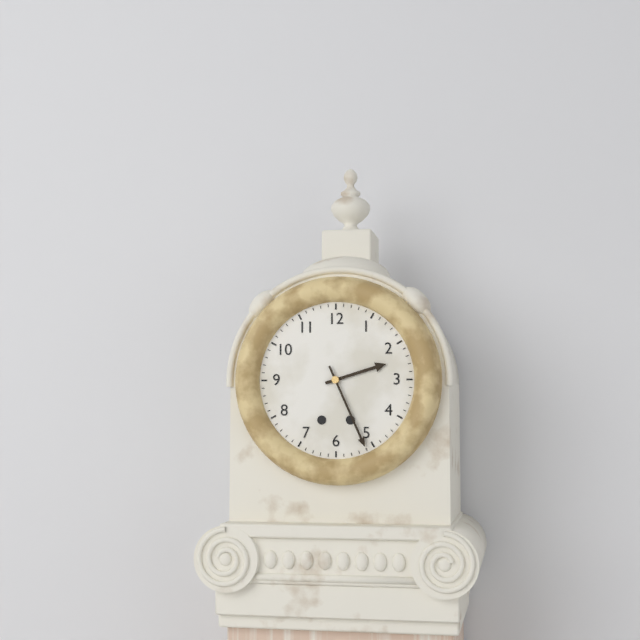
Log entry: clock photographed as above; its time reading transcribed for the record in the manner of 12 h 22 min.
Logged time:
2 h 26 min
